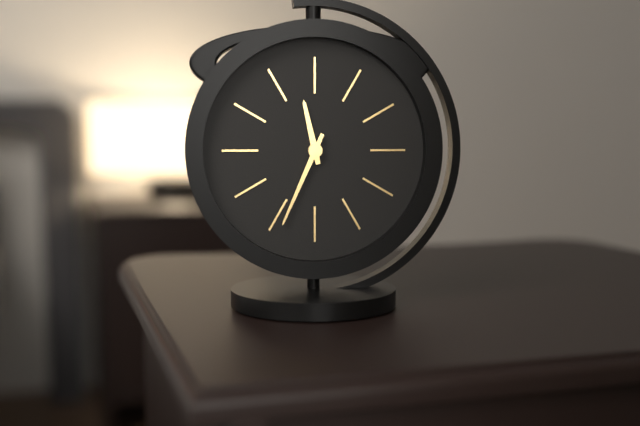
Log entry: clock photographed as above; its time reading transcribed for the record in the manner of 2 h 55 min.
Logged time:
11 h 34 min
